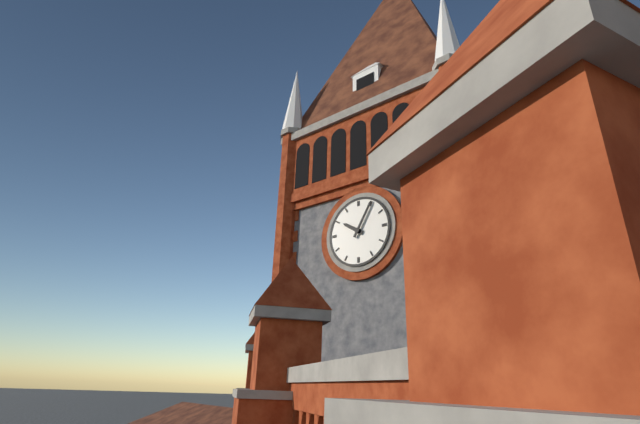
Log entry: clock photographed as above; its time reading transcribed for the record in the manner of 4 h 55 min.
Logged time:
10 h 05 min
